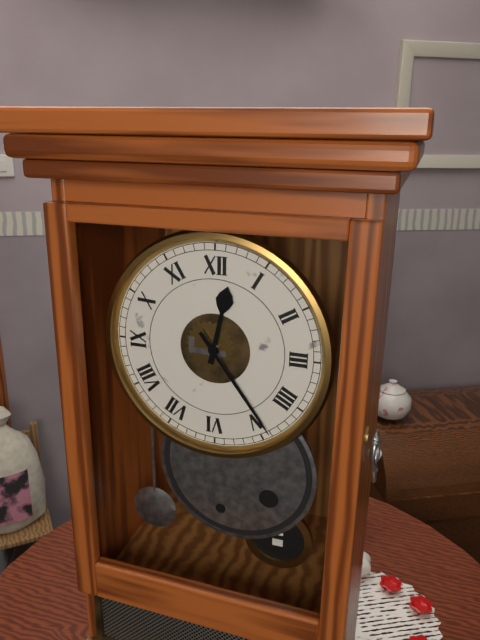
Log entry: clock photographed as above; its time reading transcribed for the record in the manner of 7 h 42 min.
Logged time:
12 h 24 min
